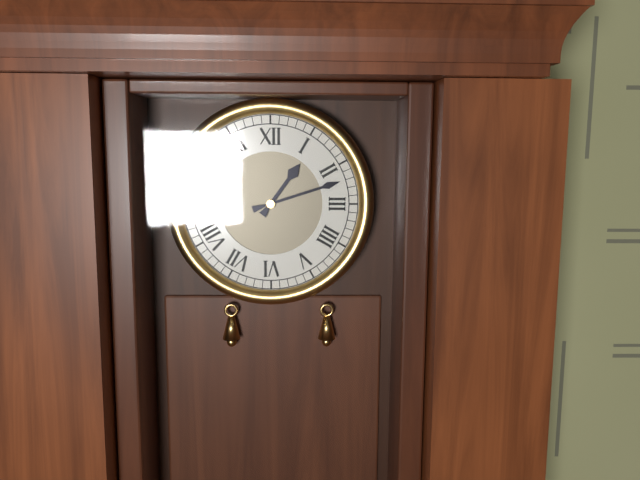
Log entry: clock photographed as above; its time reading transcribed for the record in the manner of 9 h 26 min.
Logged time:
1 h 12 min
